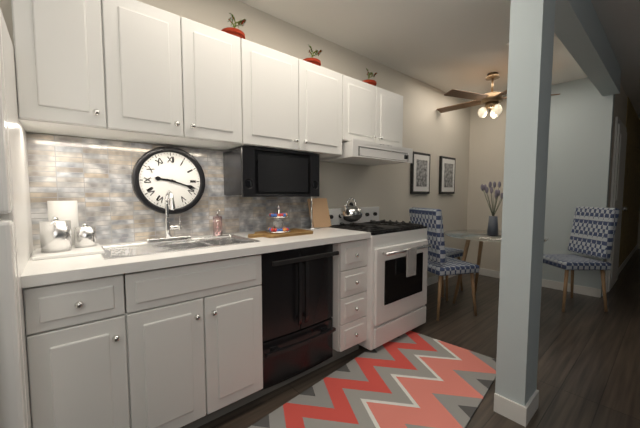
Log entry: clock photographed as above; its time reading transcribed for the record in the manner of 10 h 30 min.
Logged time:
9 h 18 min
